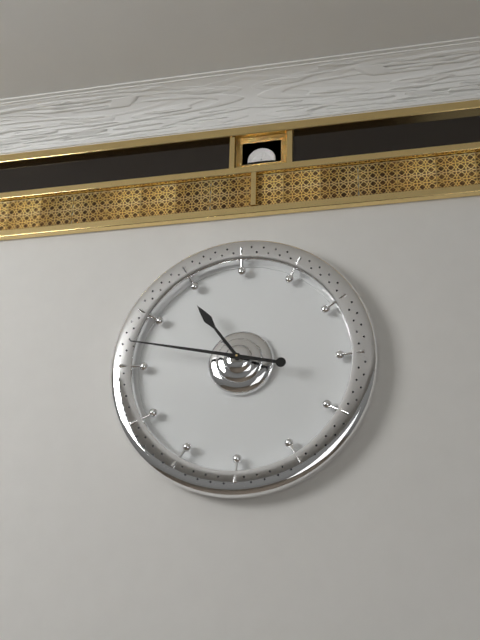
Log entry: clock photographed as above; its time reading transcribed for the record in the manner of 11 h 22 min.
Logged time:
10 h 47 min
